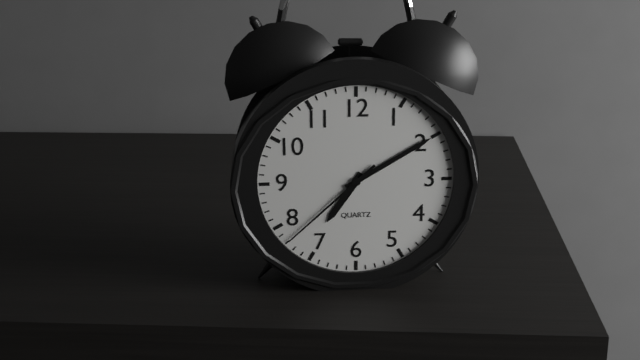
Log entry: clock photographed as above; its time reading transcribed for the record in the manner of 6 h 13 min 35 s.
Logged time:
7 h 10 min 38 s
